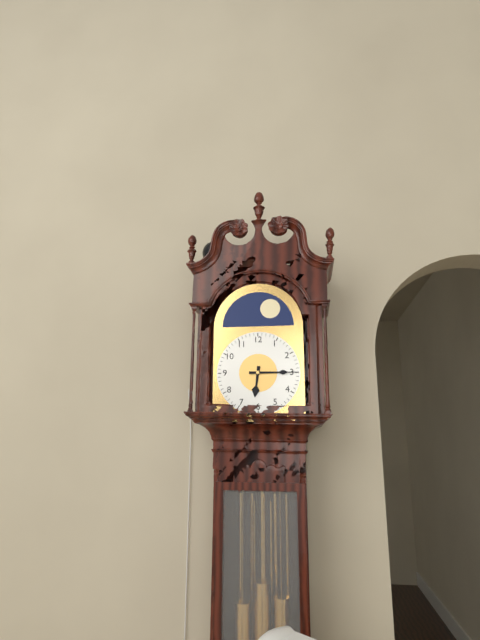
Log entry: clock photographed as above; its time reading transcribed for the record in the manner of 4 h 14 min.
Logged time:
6 h 15 min
